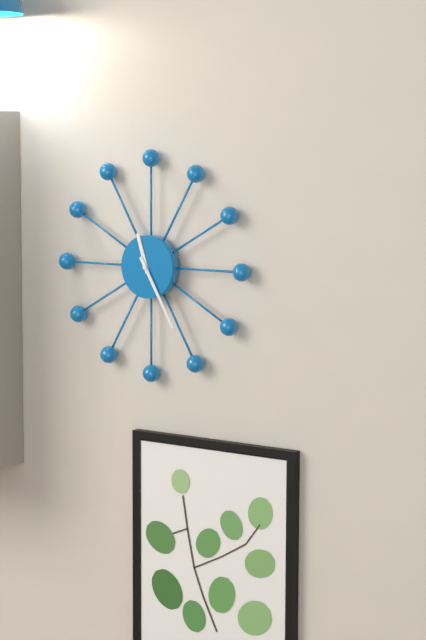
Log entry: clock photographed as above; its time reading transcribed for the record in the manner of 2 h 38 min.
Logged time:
11 h 25 min
